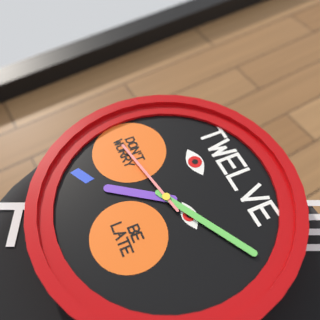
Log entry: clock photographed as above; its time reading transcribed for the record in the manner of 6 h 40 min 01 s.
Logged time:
7 h 10 min 43 s
